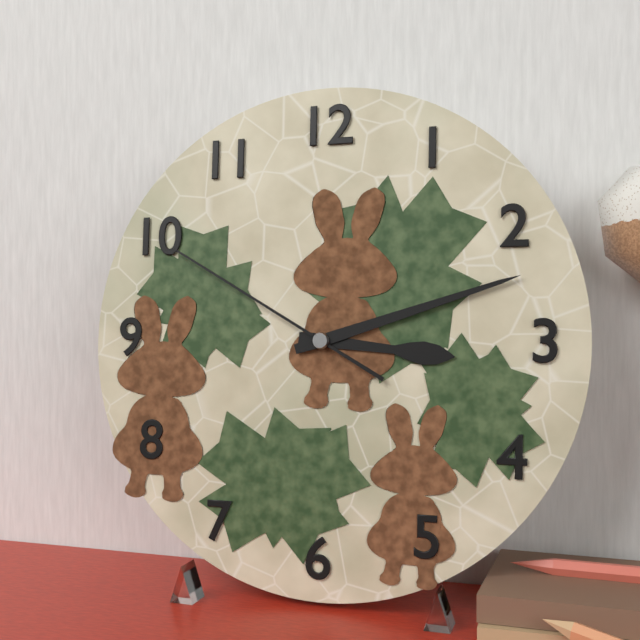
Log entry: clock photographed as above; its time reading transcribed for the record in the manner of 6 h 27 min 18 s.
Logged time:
3 h 12 min 50 s
